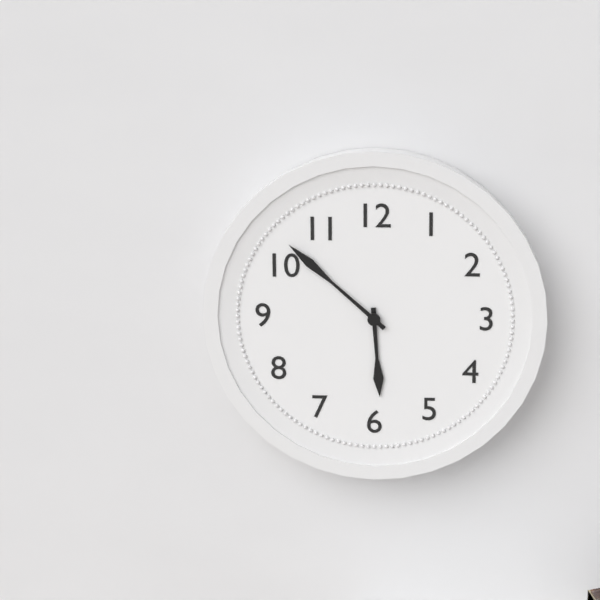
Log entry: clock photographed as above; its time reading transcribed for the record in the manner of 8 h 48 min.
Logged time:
5 h 52 min
